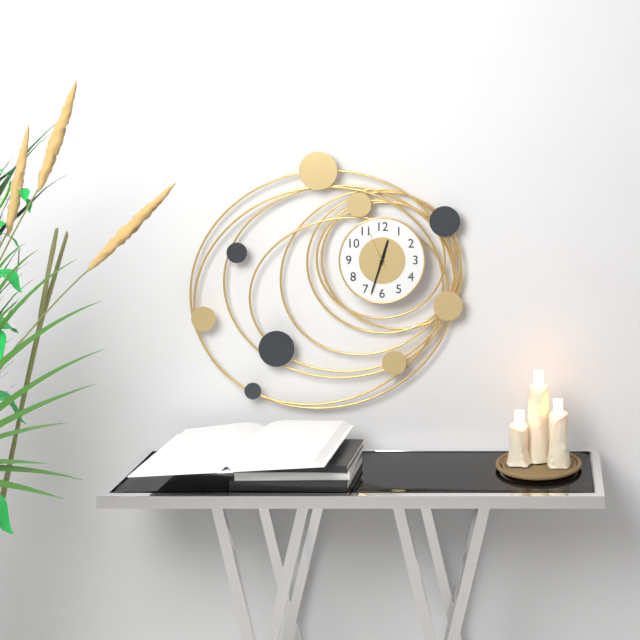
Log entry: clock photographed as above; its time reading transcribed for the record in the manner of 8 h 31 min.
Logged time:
12 h 33 min
